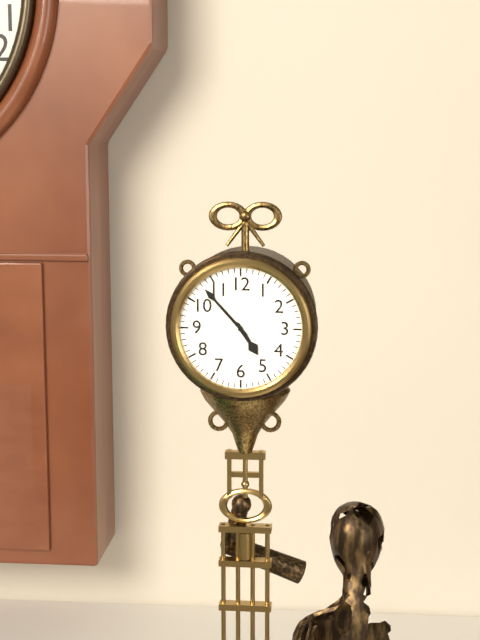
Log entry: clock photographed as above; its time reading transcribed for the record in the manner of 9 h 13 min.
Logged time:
4 h 53 min
